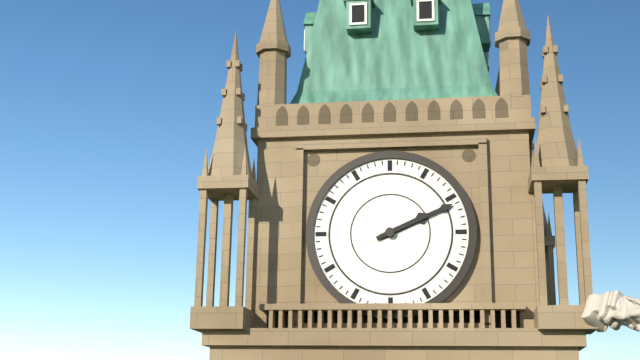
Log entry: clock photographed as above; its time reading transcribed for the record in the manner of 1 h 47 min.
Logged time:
2 h 11 min
